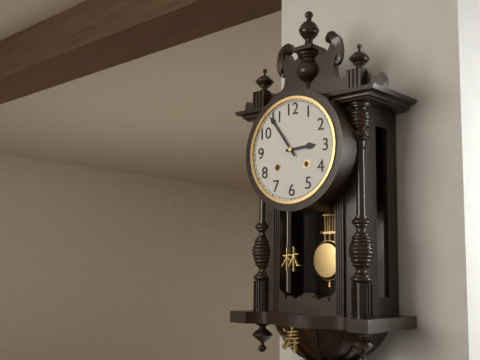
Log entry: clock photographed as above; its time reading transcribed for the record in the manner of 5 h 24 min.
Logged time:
2 h 54 min
